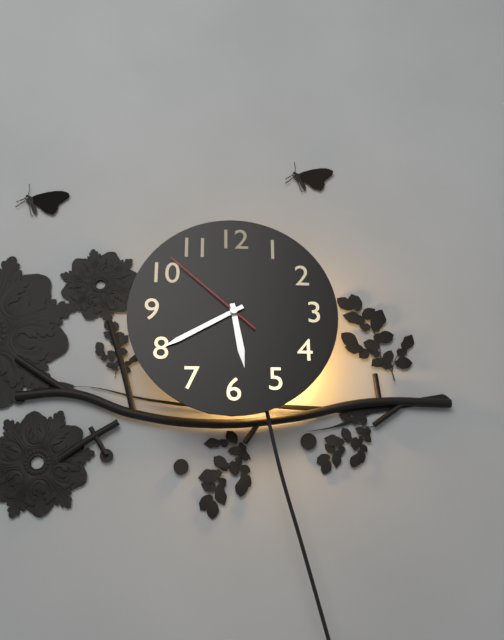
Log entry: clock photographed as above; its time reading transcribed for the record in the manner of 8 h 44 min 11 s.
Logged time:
5 h 40 min 52 s
